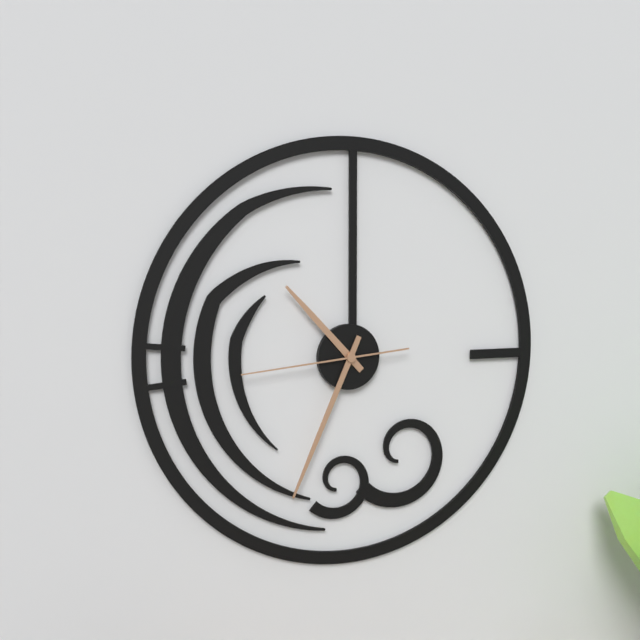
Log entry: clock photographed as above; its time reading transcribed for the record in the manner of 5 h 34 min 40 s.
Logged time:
10 h 34 min 44 s
